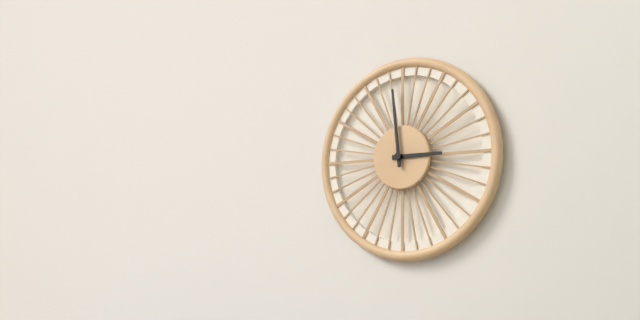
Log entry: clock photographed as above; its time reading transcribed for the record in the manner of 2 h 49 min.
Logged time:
2 h 59 min
